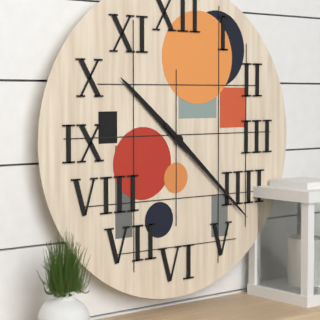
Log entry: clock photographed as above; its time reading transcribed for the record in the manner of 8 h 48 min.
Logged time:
10 h 22 min
